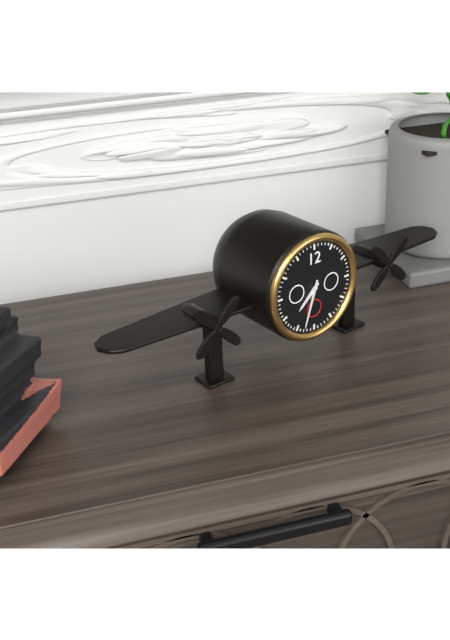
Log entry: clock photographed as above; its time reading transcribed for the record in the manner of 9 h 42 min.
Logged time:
7 h 33 min
